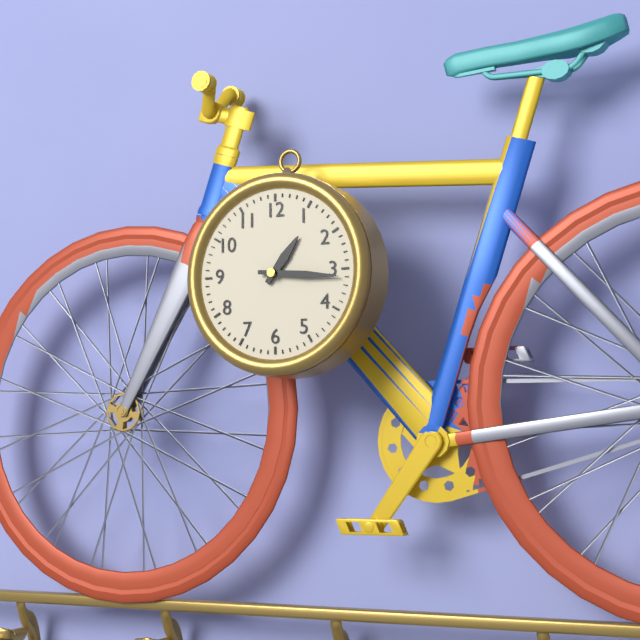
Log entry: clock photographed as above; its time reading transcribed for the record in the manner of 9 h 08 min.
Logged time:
1 h 16 min
